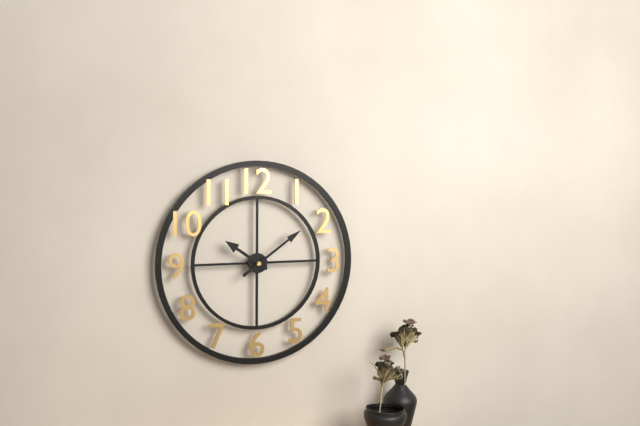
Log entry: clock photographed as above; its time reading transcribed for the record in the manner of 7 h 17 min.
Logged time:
10 h 09 min
